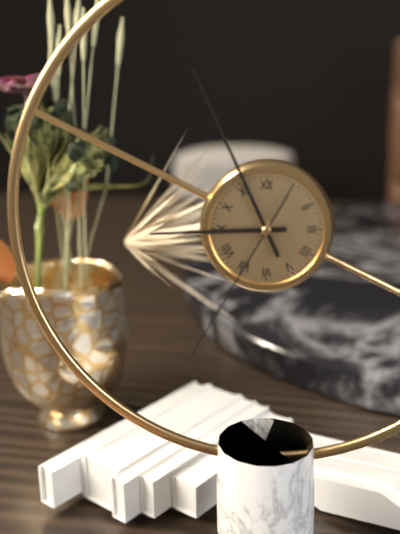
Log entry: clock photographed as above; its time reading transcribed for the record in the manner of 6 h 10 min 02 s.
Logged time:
8 h 56 min 35 s
